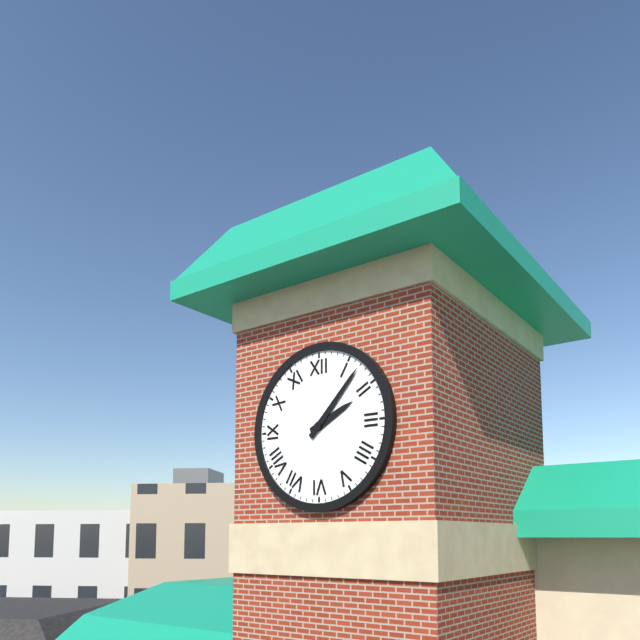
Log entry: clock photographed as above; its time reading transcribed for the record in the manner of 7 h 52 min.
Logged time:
2 h 07 min
